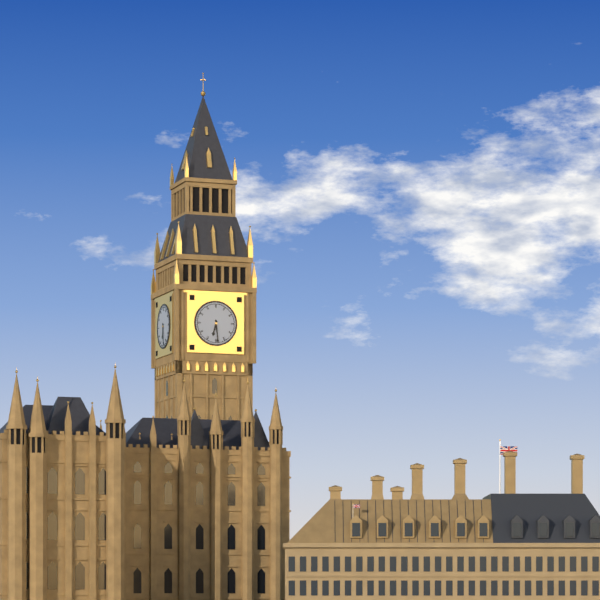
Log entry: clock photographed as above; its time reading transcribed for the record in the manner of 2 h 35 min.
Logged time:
6 h 29 min
